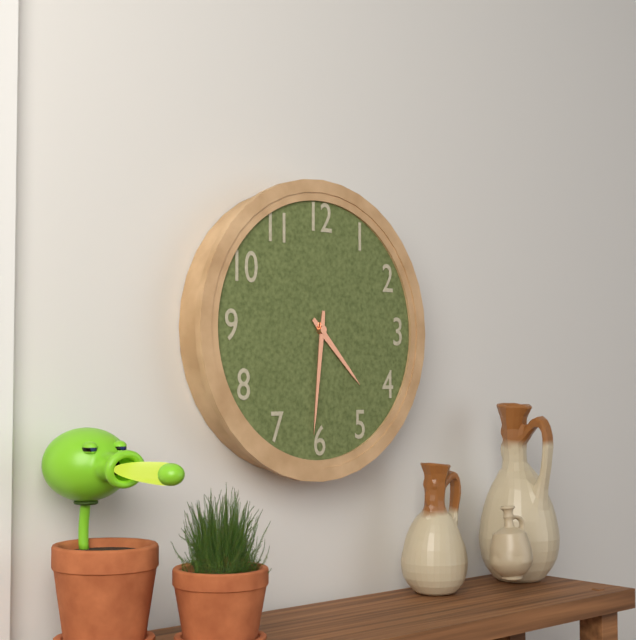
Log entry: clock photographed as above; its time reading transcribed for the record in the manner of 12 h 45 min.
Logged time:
4 h 31 min
